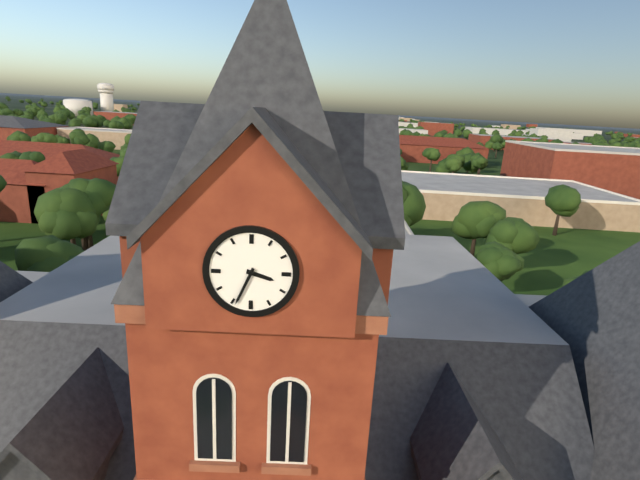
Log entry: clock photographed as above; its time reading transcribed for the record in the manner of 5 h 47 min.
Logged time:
3 h 34 min
